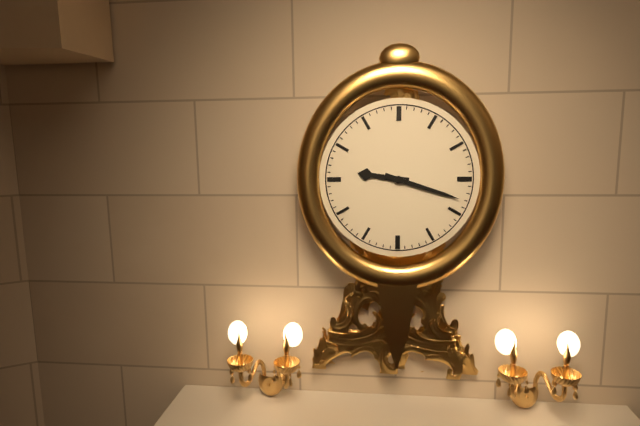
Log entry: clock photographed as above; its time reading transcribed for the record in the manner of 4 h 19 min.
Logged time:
9 h 18 min
